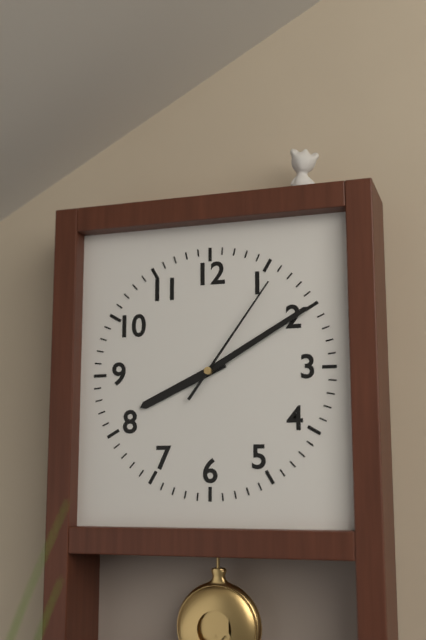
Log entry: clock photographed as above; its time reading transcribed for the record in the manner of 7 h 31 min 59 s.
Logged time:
8 h 10 min 06 s
